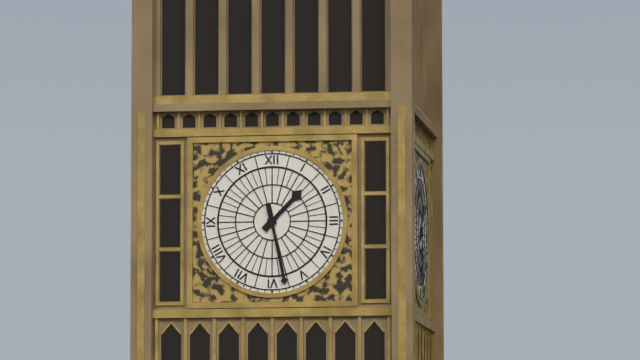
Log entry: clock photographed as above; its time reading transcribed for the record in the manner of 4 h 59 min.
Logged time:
1 h 28 min
